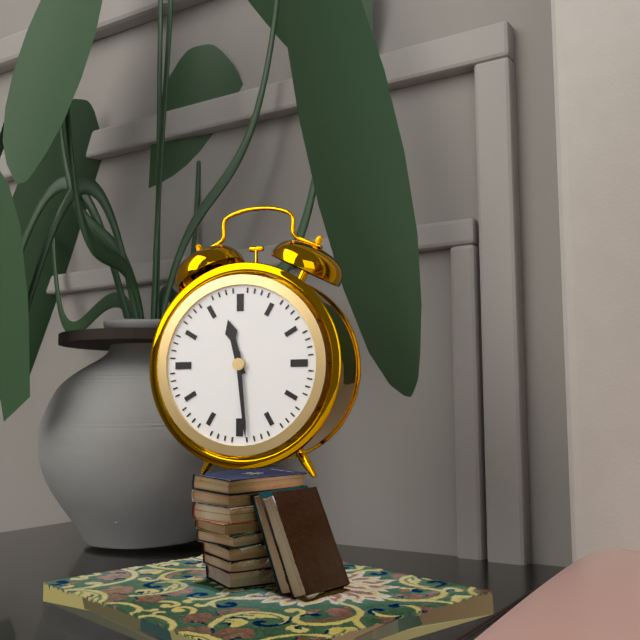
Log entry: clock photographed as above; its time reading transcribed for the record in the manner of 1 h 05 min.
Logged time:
11 h 29 min
